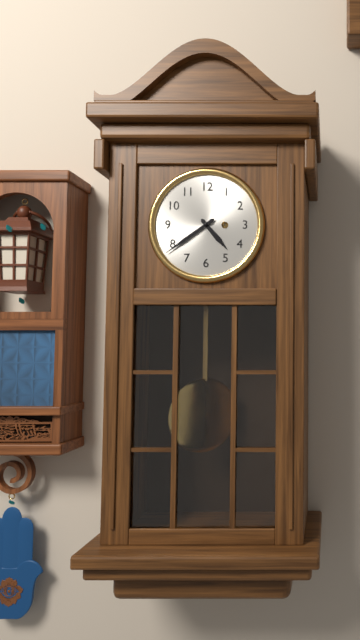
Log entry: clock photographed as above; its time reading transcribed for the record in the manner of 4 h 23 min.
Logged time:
4 h 39 min
